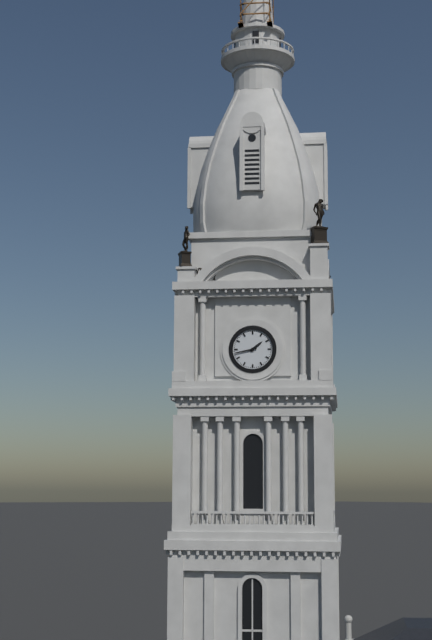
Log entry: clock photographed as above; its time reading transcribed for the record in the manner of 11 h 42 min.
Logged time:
1 h 43 min
